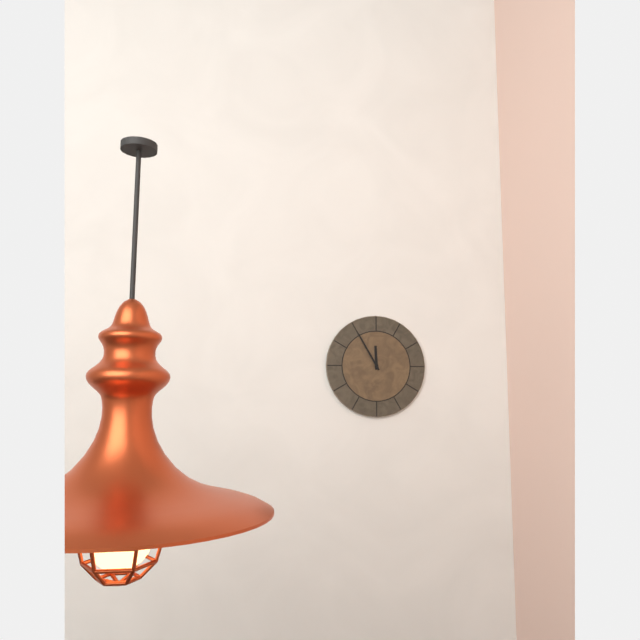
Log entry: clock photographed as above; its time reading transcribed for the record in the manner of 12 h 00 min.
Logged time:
11 h 55 min
